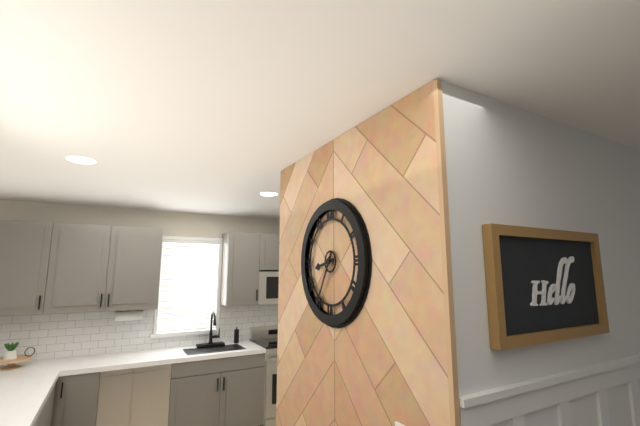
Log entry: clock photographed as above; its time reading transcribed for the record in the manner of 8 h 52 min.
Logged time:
8 h 35 min
